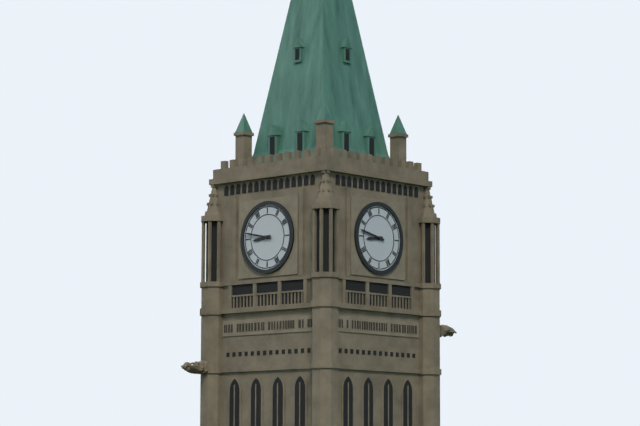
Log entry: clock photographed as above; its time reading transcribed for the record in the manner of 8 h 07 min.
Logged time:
8 h 47 min
